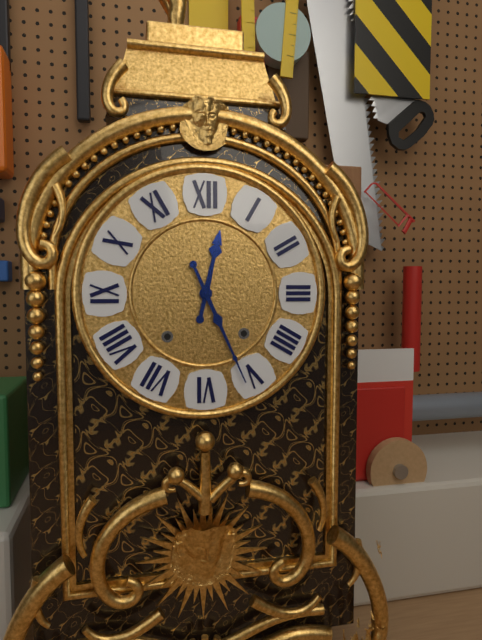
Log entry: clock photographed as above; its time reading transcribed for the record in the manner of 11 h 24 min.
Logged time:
12 h 26 min
